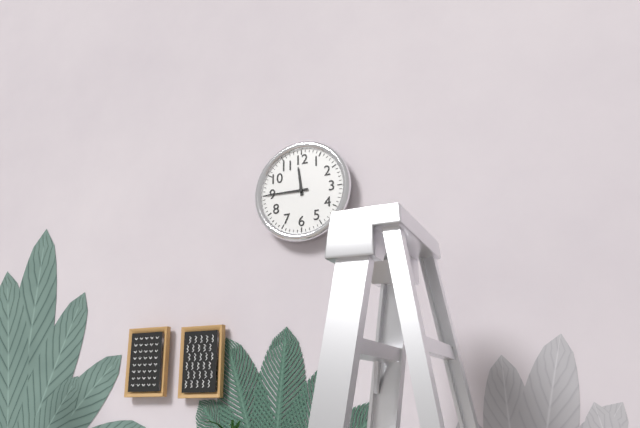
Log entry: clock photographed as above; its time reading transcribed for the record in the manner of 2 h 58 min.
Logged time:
11 h 45 min
